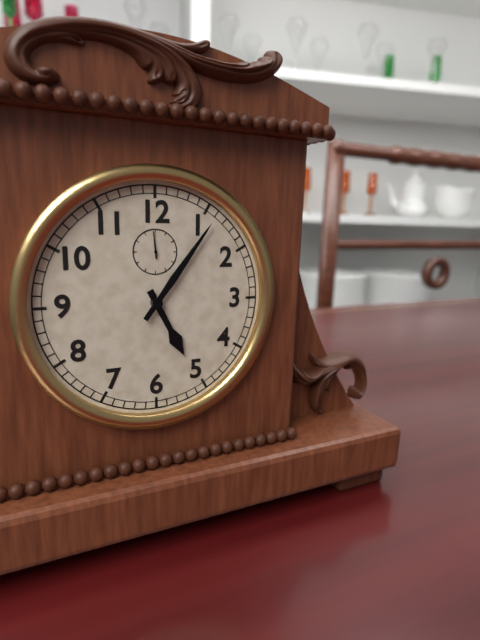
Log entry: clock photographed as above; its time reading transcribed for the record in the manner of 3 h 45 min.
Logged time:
5 h 06 min
